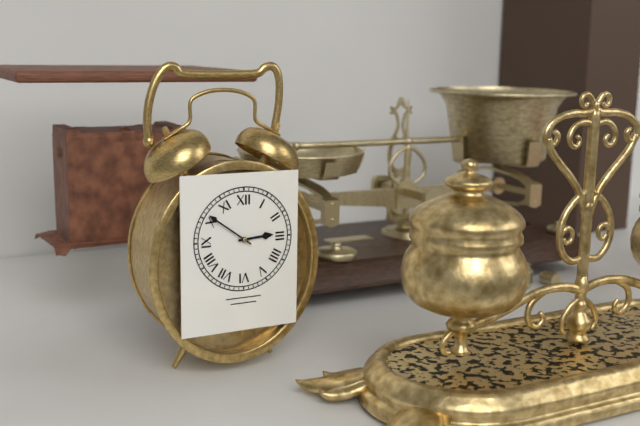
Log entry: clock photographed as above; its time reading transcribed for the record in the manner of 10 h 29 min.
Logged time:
2 h 51 min
